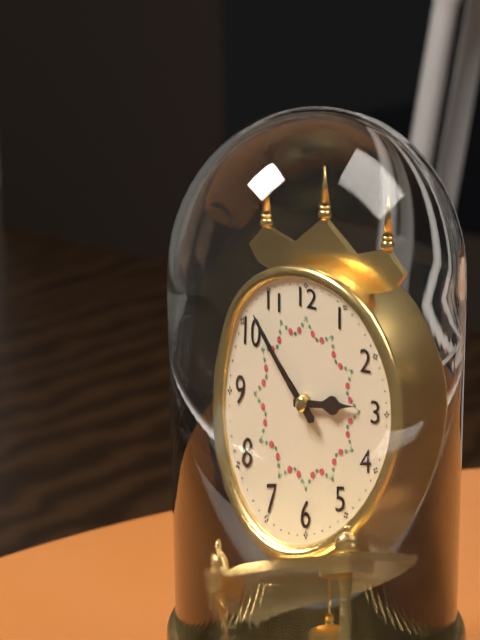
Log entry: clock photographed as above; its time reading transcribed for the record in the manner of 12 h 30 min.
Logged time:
2 h 52 min
